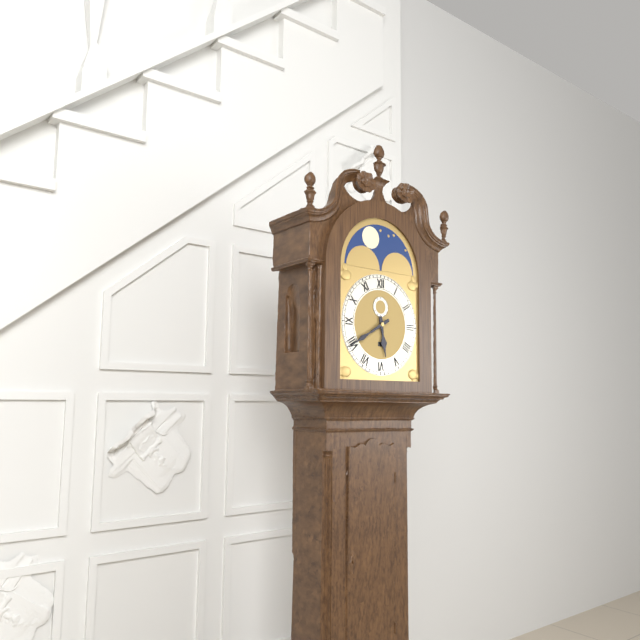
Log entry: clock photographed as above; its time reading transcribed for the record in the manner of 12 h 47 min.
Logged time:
5 h 40 min
